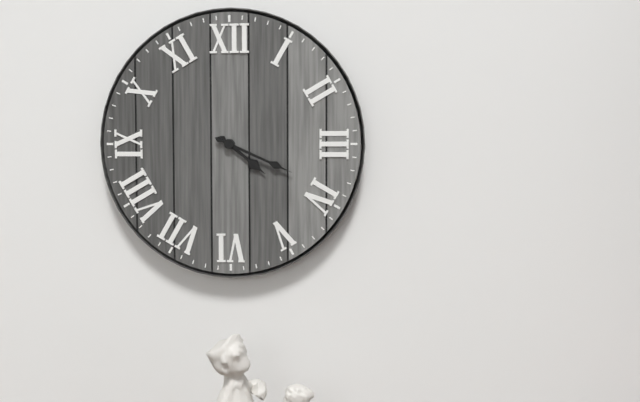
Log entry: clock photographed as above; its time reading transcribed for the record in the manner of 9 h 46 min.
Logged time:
4 h 19 min
